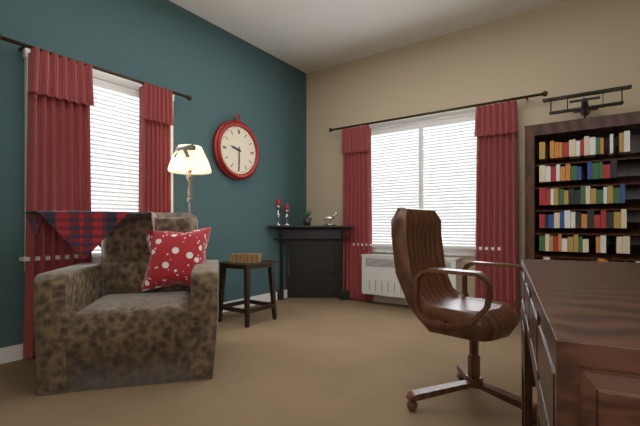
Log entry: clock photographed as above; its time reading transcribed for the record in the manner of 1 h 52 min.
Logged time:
9 h 30 min
